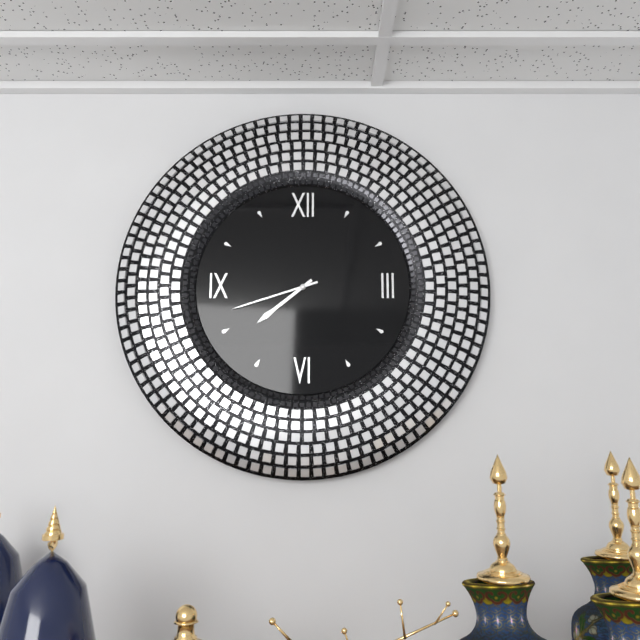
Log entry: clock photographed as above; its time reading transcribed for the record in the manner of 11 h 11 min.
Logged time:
7 h 42 min
